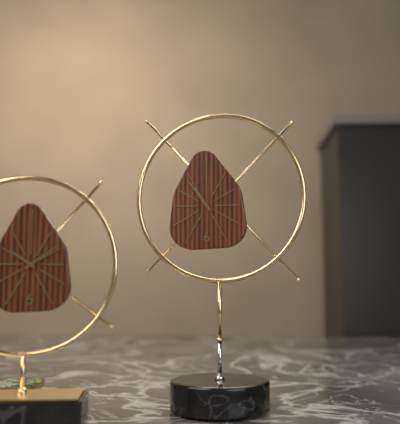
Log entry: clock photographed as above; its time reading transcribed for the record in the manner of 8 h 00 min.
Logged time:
10 h 54 min
